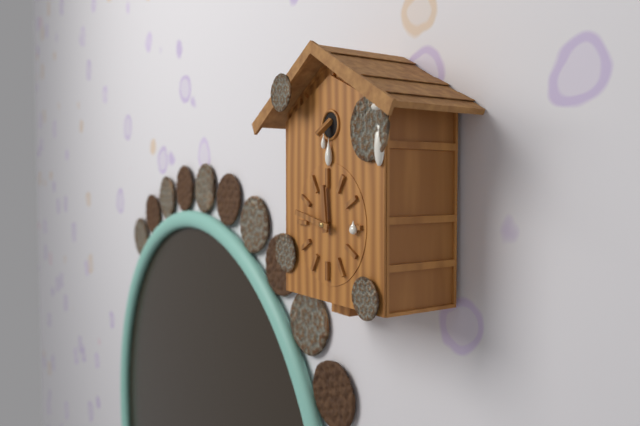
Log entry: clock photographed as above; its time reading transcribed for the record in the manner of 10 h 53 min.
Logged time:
11 h 47 min
